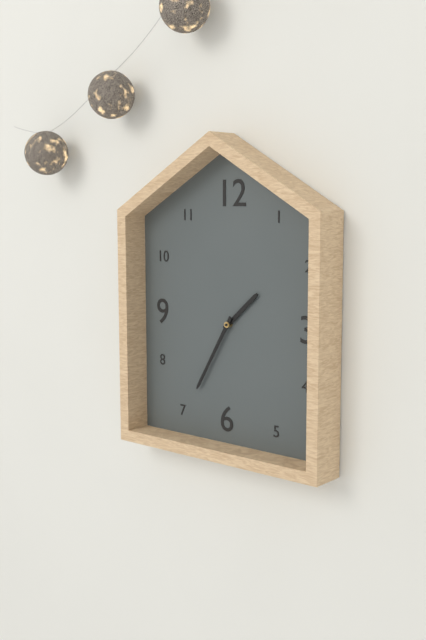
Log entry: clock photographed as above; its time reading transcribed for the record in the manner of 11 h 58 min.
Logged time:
1 h 35 min
